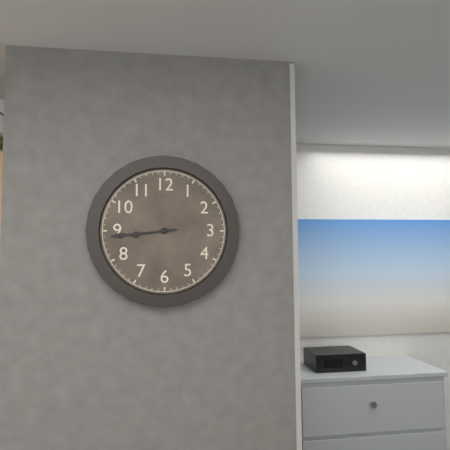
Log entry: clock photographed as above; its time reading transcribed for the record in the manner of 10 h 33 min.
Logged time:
8 h 44 min
